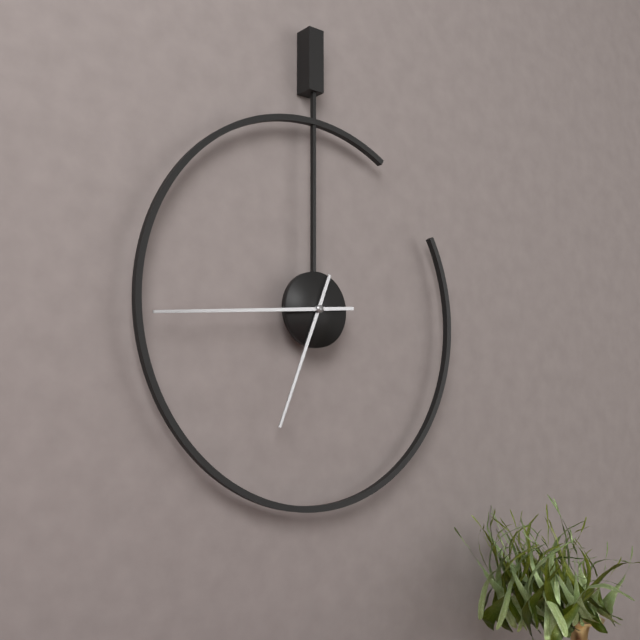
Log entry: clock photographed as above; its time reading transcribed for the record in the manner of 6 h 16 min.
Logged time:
6 h 44 min
